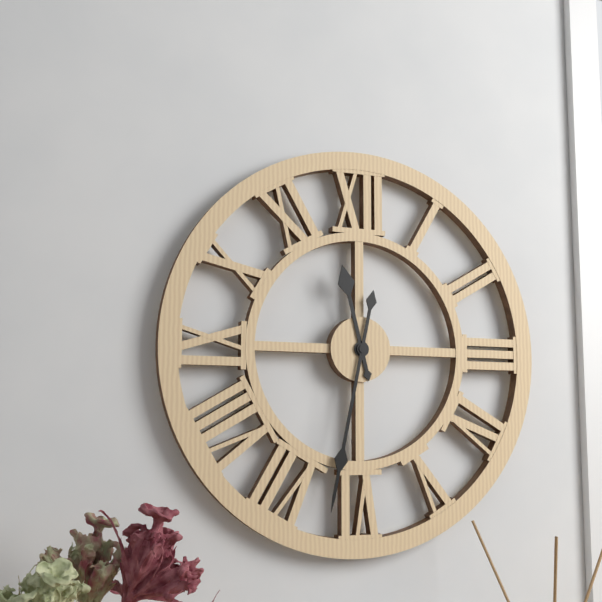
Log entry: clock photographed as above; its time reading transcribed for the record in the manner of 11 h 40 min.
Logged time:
11 h 32 min
